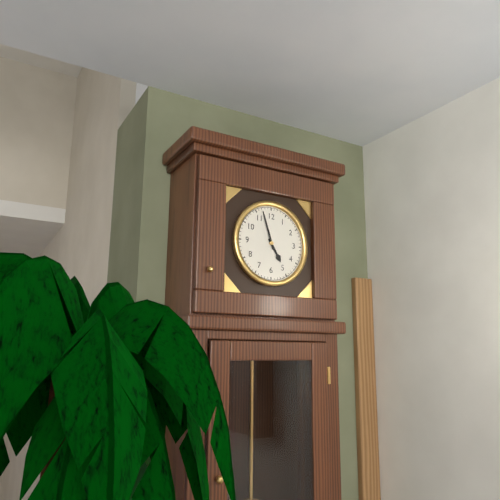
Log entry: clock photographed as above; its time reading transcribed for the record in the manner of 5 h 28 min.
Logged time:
4 h 57 min
